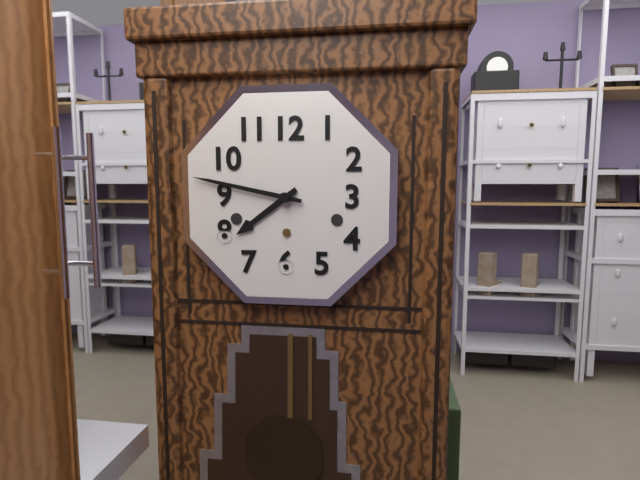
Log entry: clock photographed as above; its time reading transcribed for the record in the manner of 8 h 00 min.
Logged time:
7 h 47 min
